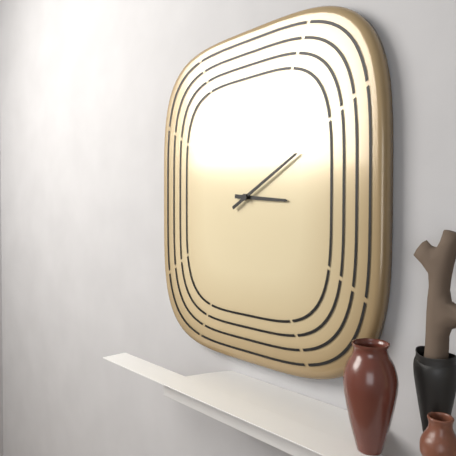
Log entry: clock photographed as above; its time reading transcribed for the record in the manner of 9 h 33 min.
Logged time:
3 h 10 min
